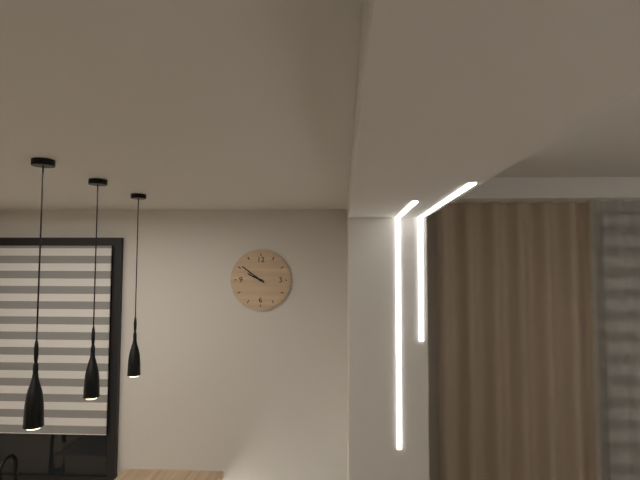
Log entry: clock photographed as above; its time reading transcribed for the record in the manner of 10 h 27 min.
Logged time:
9 h 51 min
